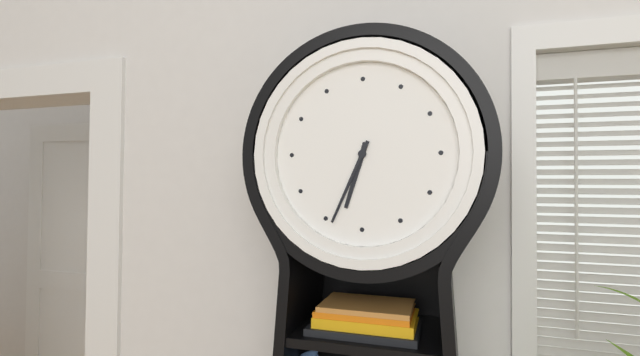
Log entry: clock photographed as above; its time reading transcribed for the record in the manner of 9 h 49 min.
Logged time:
6 h 34 min
